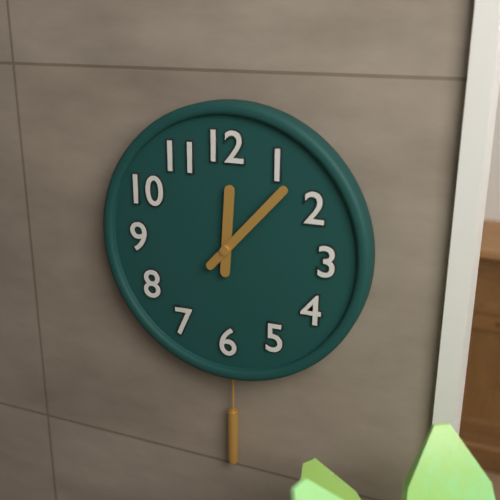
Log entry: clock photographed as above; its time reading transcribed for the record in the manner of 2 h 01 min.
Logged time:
12 h 07 min
